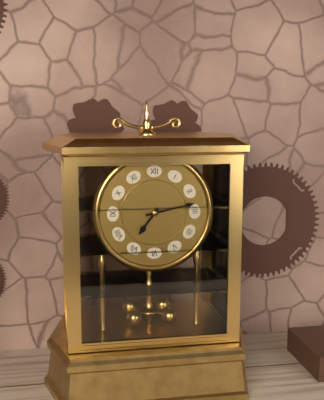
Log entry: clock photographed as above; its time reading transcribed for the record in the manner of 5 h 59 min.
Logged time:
7 h 13 min
